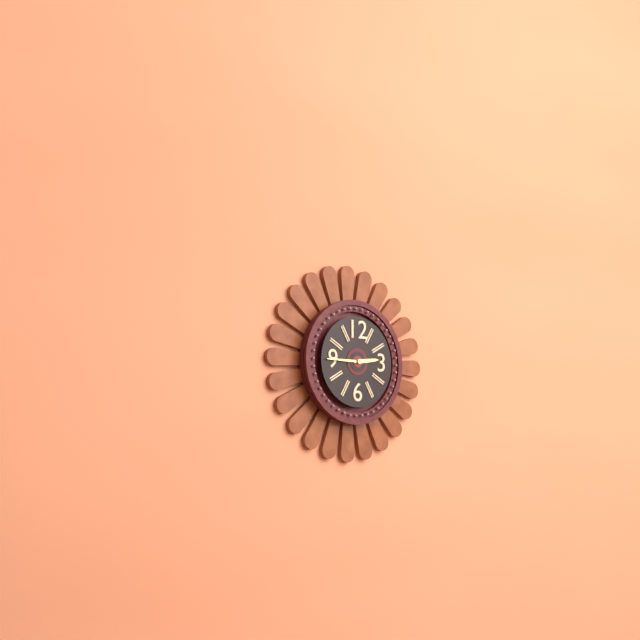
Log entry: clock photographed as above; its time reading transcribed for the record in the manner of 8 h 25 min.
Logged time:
2 h 45 min
